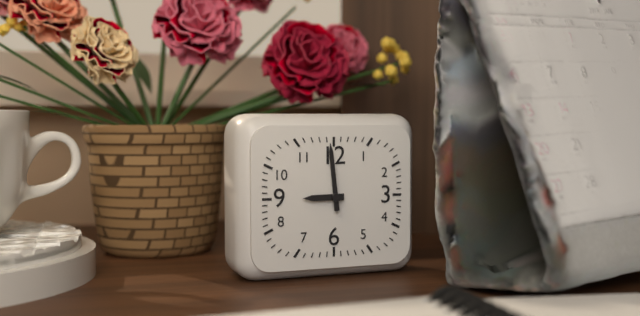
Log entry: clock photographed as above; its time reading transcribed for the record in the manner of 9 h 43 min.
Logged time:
8 h 59 min
